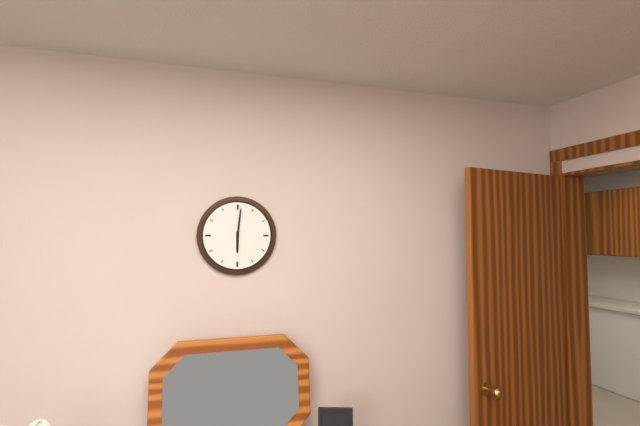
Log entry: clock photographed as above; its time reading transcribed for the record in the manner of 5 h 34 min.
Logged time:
6 h 01 min
